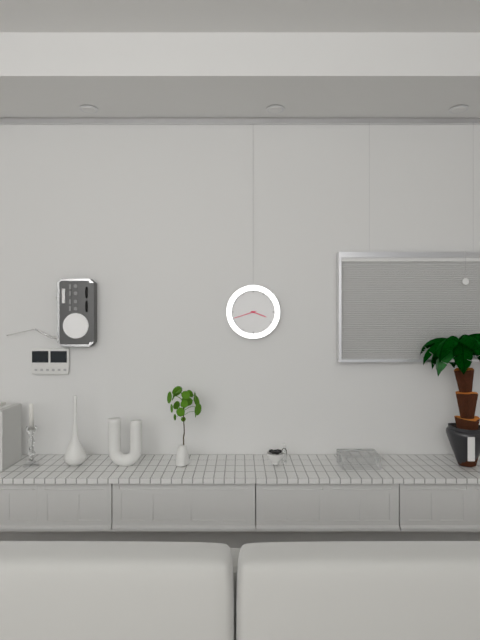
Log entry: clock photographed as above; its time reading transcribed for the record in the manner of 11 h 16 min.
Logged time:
3 h 42 min
